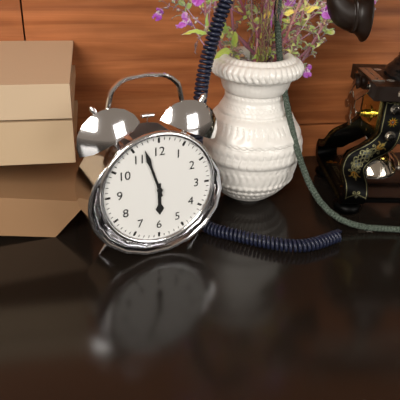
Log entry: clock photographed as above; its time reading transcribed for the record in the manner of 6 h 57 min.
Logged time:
5 h 57 min
